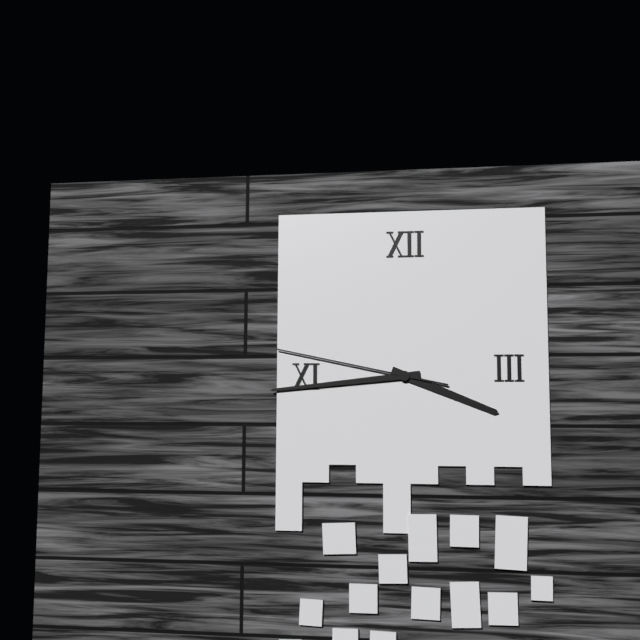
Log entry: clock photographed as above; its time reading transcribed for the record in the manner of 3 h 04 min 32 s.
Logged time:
3 h 44 min 47 s
